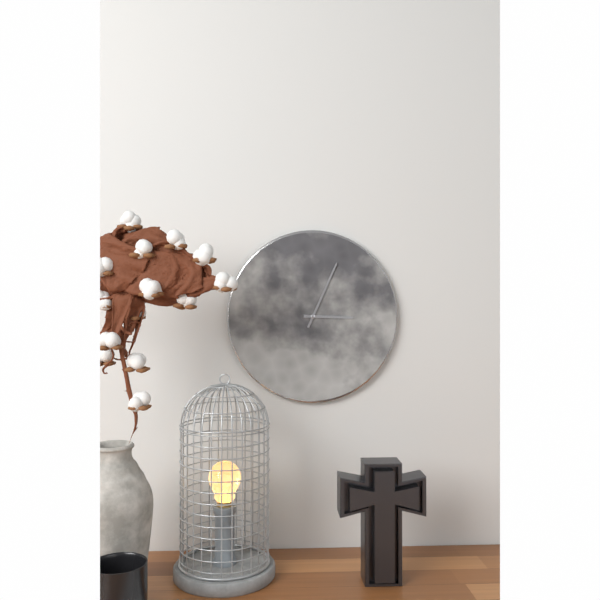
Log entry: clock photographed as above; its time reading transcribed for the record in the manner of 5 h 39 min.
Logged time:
3 h 04 min
